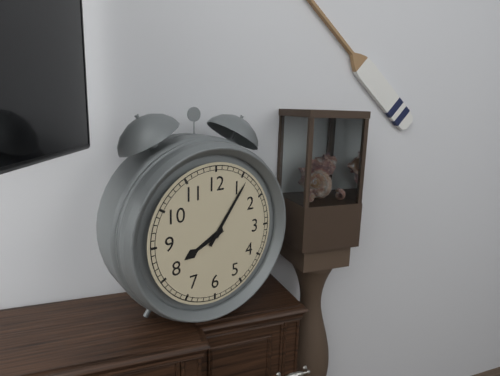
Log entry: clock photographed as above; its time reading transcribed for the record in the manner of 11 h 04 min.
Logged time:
8 h 06 min
